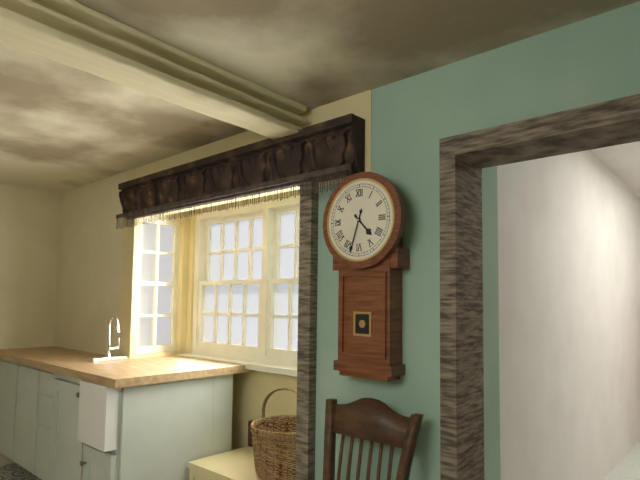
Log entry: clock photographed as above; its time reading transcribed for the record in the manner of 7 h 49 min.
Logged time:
4 h 33 min
